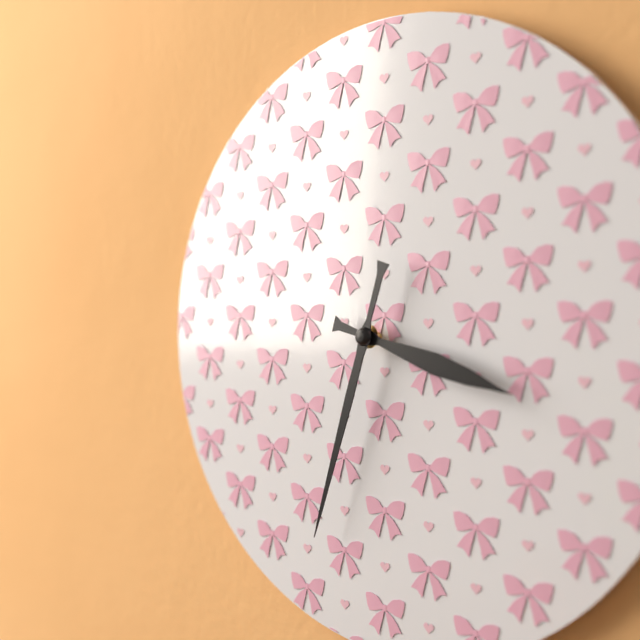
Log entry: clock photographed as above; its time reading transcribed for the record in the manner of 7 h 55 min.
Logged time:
3 h 33 min
